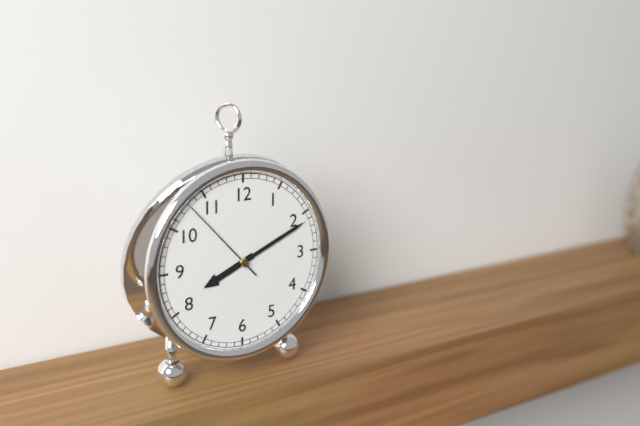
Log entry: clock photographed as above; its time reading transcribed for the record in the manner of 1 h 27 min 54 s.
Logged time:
8 h 11 min 53 s
